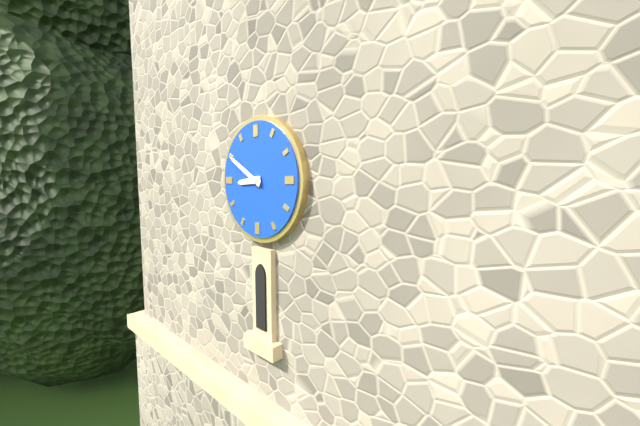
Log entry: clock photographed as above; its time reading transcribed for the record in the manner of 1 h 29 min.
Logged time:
8 h 50 min
